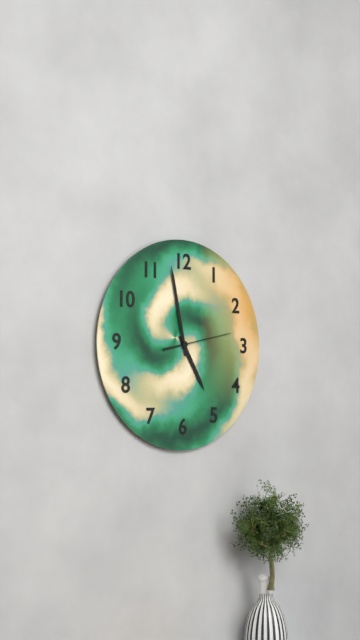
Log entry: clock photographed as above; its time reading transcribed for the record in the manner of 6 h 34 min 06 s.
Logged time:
4 h 58 min 13 s
